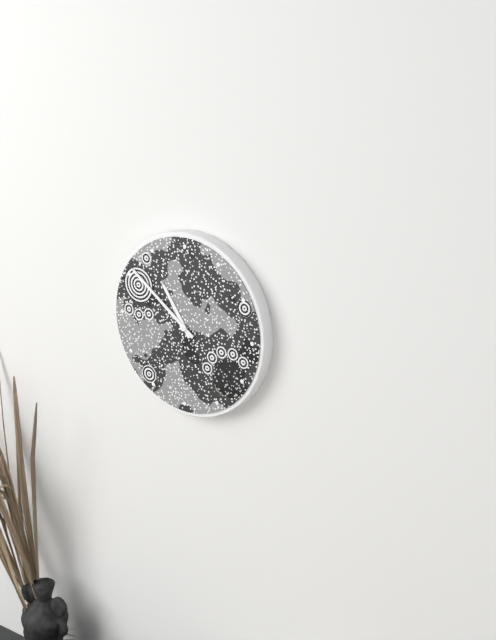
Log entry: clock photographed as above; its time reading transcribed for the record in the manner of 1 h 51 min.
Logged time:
10 h 51 min
